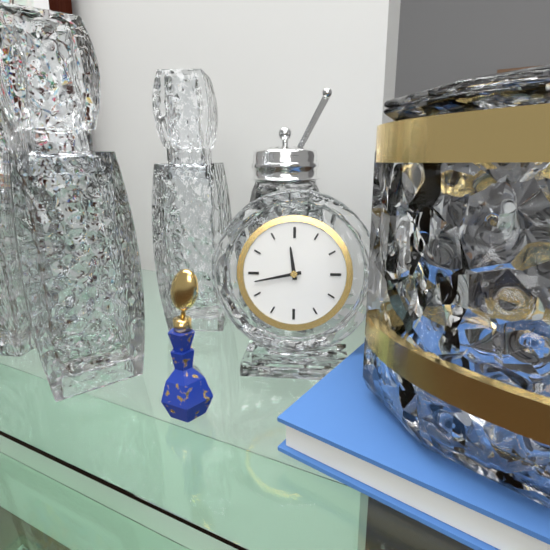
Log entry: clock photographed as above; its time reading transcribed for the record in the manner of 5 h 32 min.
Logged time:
11 h 43 min
